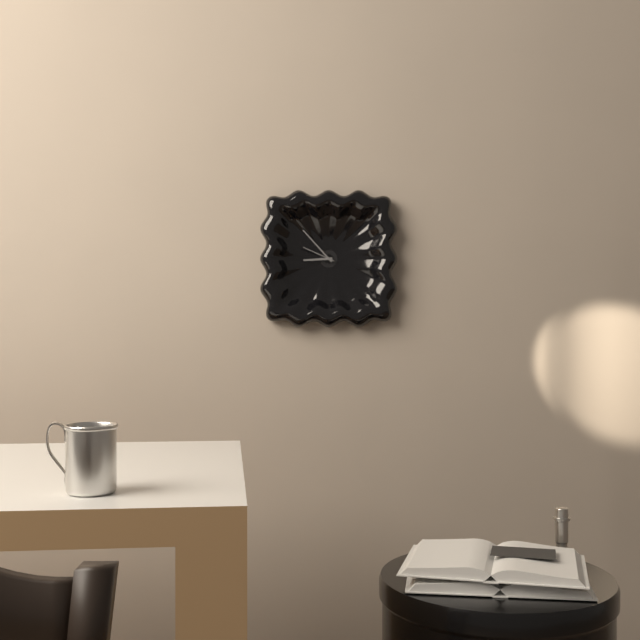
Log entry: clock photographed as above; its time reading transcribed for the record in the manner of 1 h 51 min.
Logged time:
8 h 53 min
